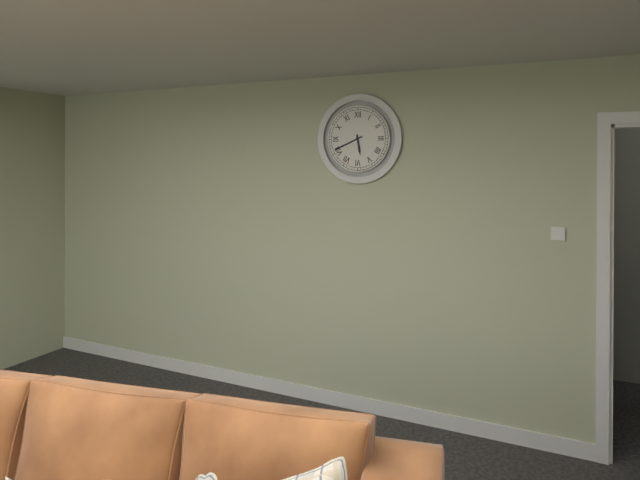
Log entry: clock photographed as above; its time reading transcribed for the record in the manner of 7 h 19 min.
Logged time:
5 h 41 min
